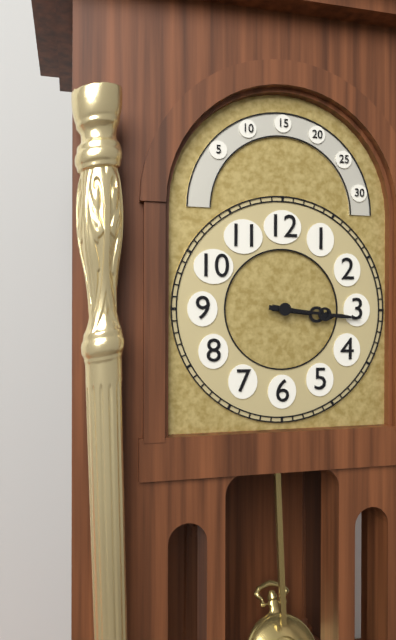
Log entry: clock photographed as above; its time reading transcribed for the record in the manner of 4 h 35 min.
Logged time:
3 h 16 min
